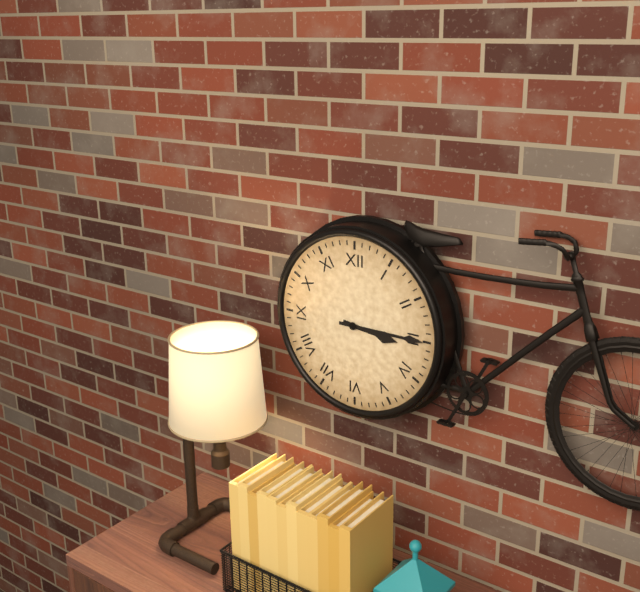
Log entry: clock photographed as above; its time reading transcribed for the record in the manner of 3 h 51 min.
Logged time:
3 h 15 min
